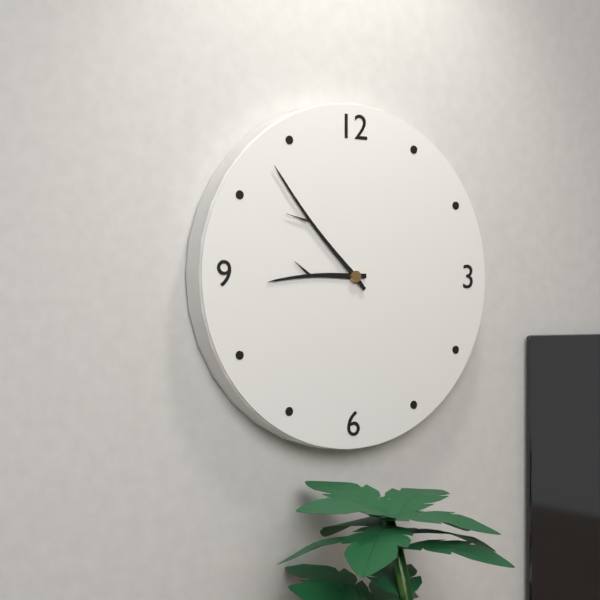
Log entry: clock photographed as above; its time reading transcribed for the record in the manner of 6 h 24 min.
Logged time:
8 h 53 min
